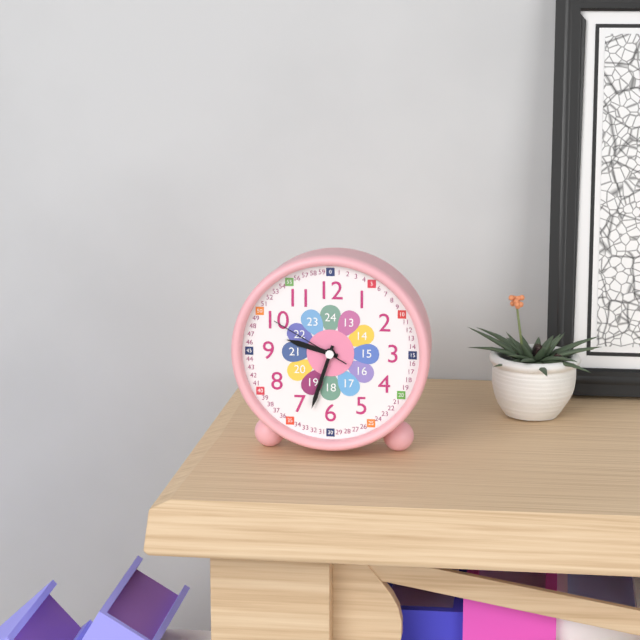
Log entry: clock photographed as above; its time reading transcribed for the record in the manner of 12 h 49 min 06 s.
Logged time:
9 h 33 min 50 s
